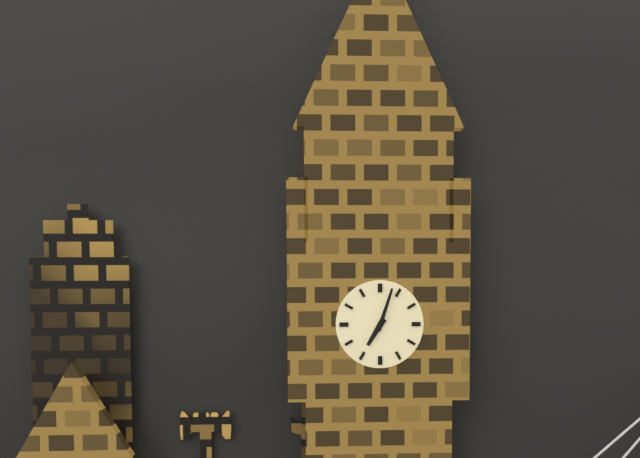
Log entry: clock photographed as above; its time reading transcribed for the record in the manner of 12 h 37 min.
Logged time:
7 h 03 min
